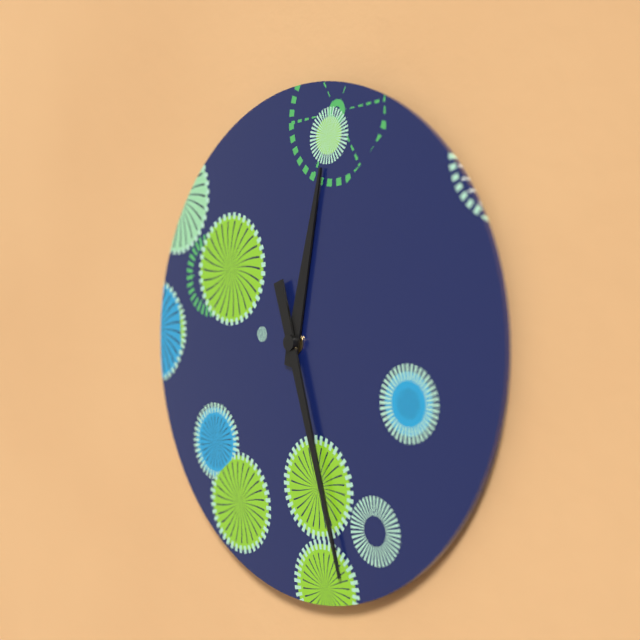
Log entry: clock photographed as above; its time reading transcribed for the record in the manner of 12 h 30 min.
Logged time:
12 h 27 min
